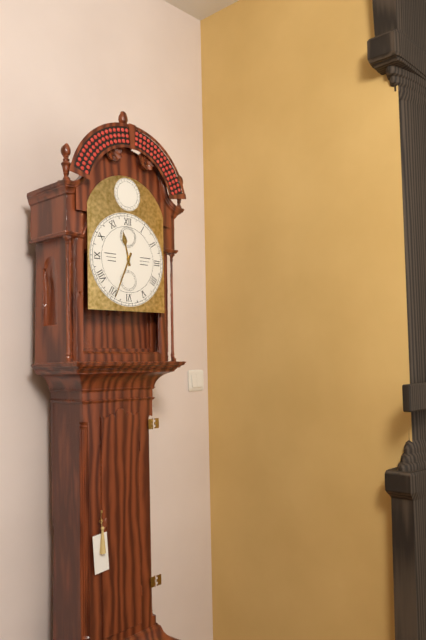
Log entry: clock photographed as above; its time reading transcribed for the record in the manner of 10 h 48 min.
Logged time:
11 h 34 min
